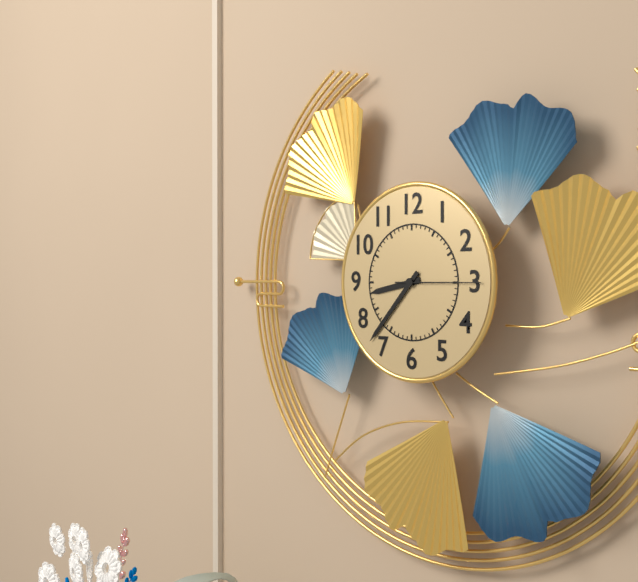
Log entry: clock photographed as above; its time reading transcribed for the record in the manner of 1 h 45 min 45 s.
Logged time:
8 h 37 min 15 s
